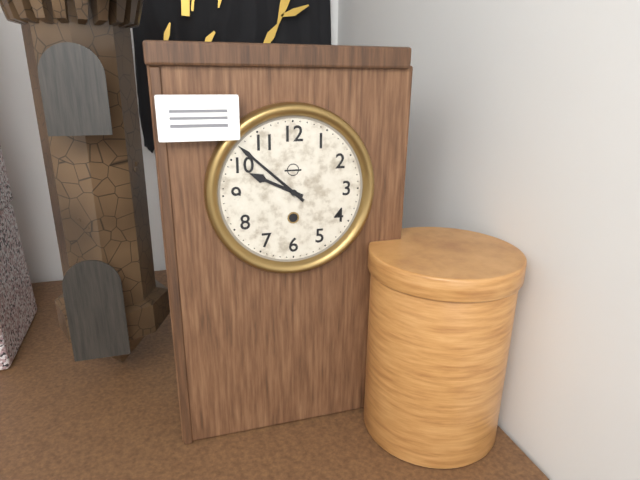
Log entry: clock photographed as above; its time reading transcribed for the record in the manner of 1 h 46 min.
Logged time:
9 h 52 min
